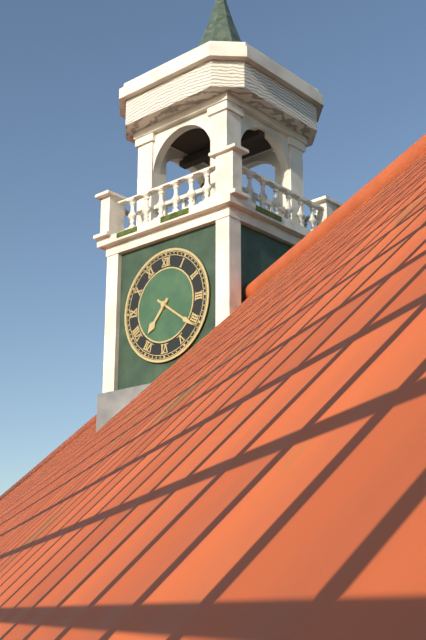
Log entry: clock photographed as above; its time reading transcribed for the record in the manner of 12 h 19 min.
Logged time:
7 h 21 min
